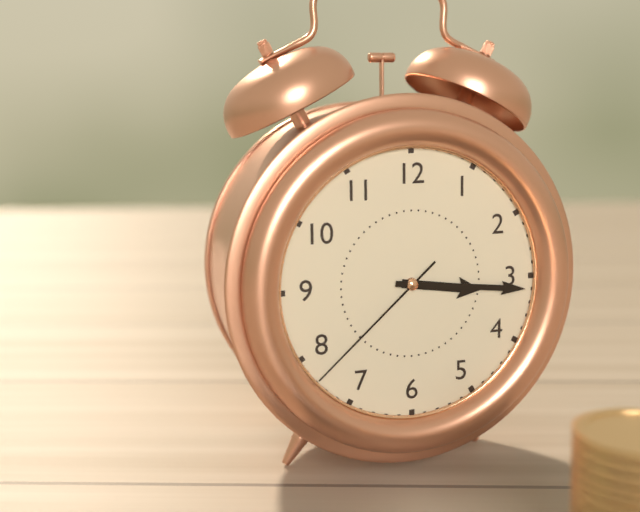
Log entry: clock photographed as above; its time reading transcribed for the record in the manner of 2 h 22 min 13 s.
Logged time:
3 h 16 min 38 s
